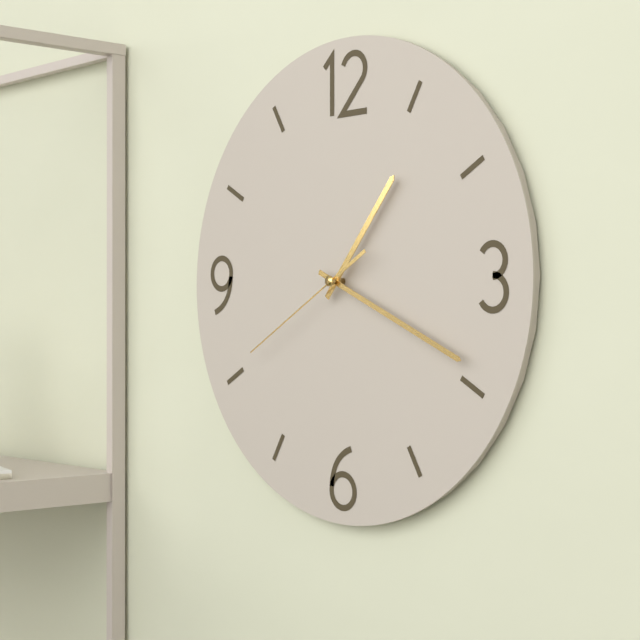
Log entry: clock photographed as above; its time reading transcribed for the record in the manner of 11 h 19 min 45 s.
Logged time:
1 h 19 min 40 s
